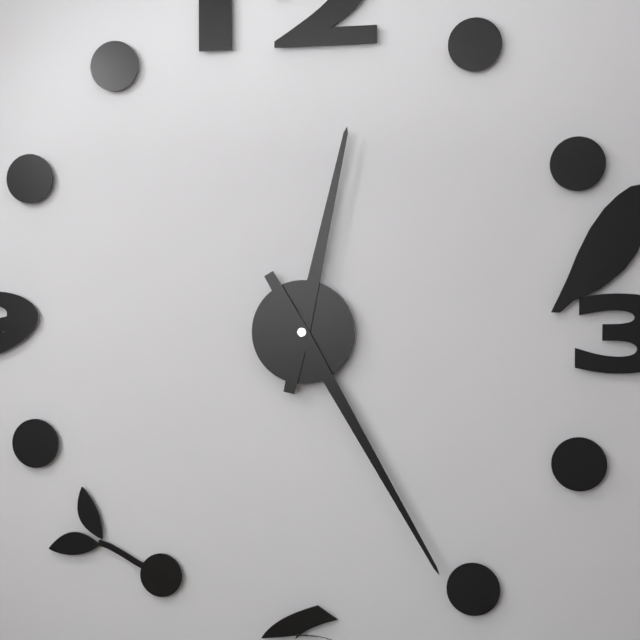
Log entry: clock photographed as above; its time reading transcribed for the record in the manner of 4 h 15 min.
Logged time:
12 h 25 min
